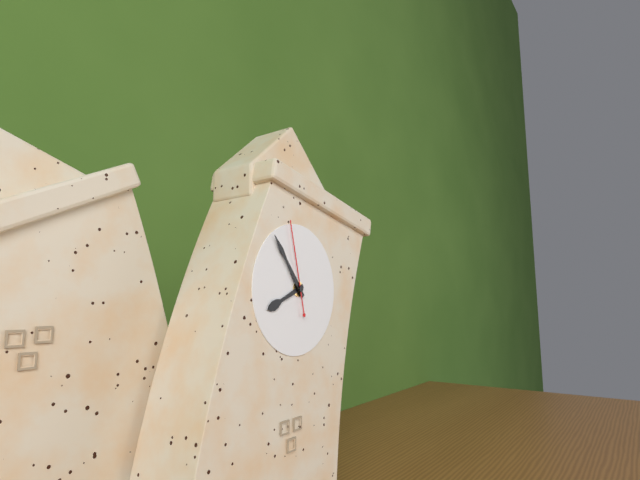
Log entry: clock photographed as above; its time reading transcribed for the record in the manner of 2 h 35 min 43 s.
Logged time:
7 h 52 min 56 s
